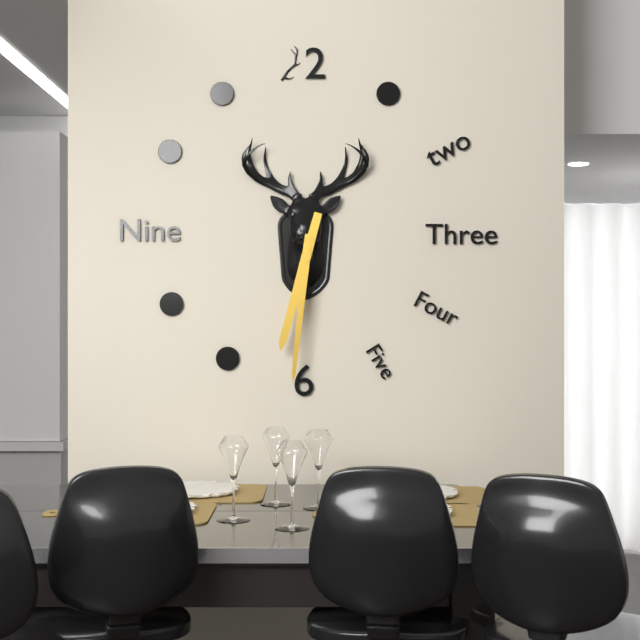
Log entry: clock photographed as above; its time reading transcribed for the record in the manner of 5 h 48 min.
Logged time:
6 h 31 min
